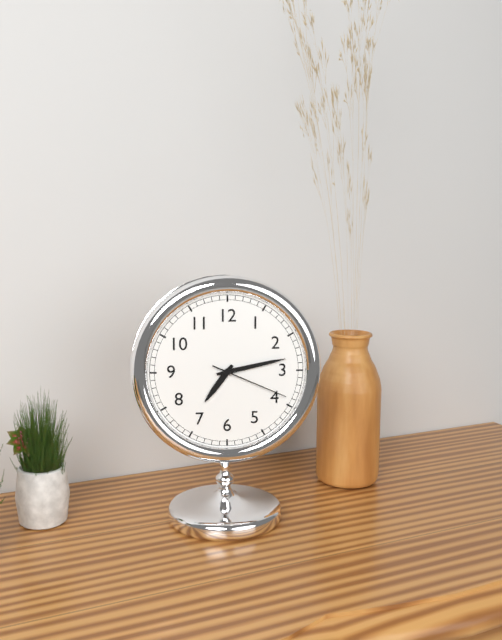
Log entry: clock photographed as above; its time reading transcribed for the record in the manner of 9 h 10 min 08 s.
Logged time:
7 h 13 min 19 s
